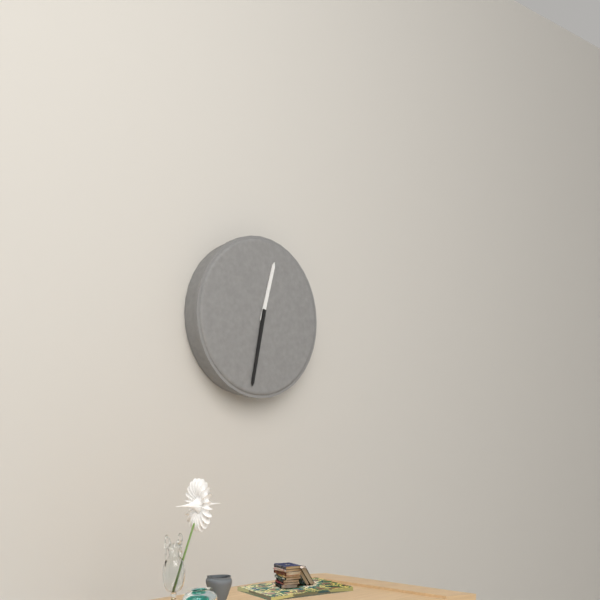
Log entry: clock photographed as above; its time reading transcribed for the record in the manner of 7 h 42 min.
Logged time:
12 h 32 min
